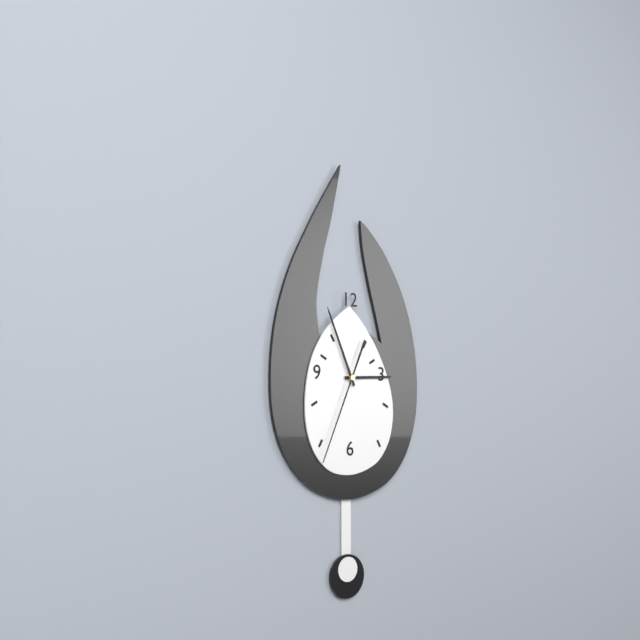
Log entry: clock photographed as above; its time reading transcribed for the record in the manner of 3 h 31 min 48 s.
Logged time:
2 h 56 min 34 s
